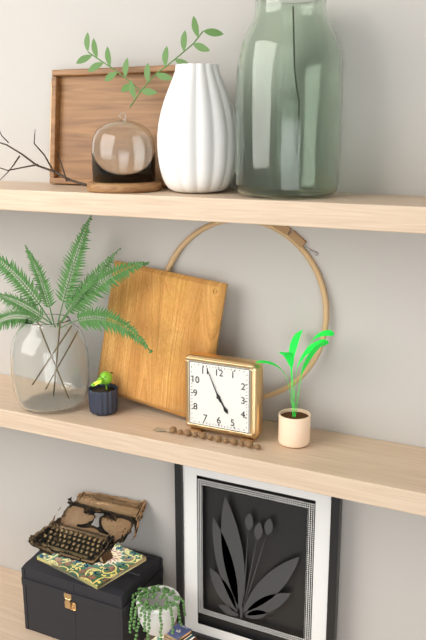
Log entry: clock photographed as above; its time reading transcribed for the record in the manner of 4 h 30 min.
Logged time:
4 h 56 min
